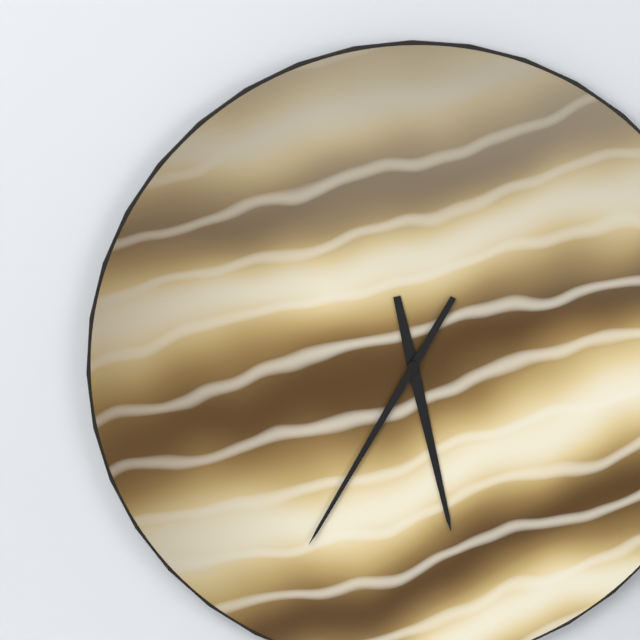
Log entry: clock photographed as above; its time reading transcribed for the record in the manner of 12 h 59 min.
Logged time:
5 h 35 min
